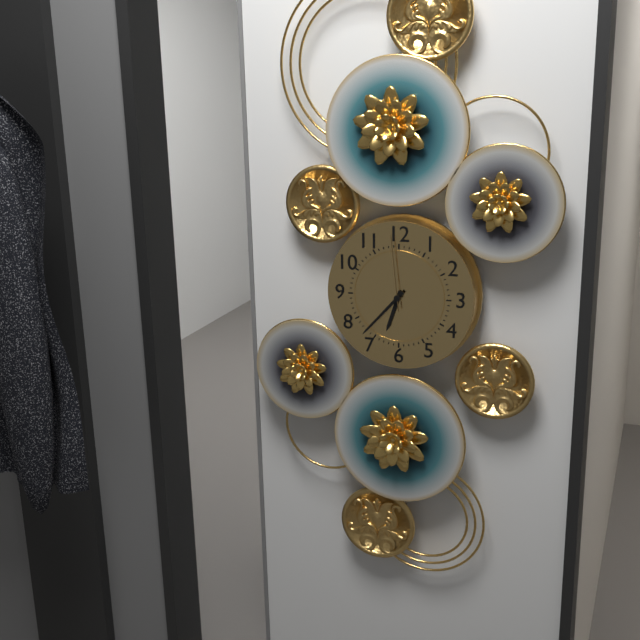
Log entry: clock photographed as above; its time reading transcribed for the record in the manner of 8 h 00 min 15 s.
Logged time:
6 h 37 min 59 s
